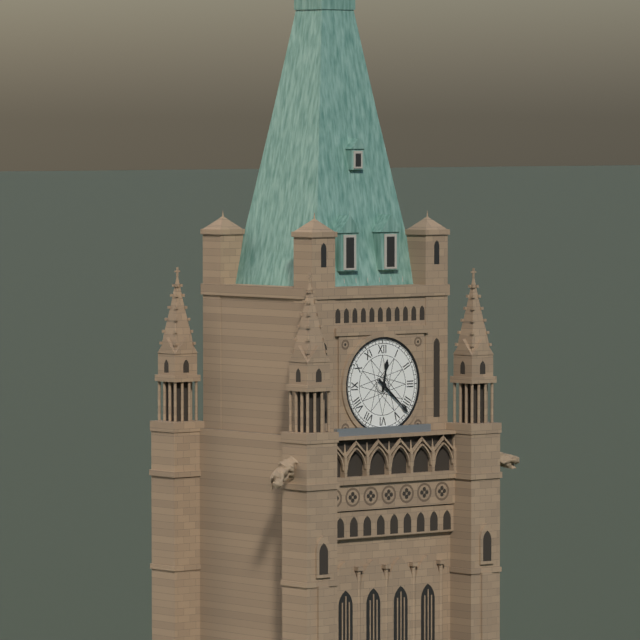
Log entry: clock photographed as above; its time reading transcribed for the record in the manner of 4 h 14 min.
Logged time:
12 h 22 min
